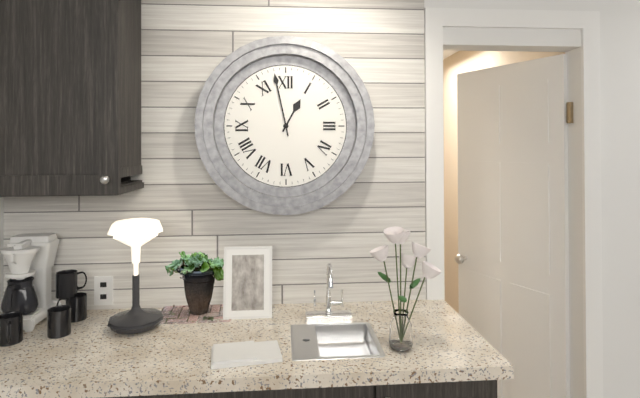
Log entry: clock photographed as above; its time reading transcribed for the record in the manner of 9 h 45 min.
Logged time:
12 h 58 min
